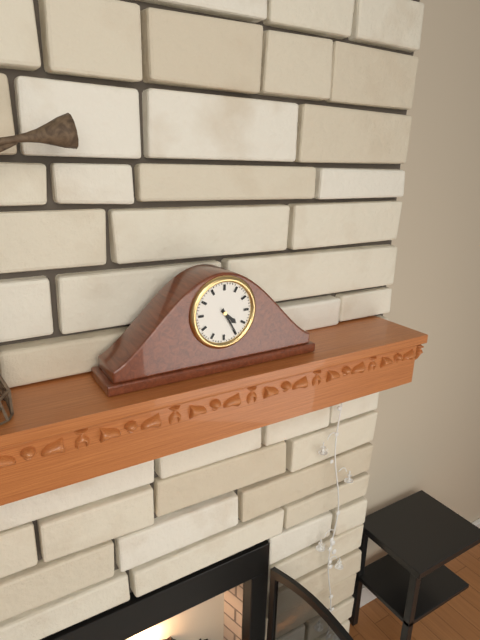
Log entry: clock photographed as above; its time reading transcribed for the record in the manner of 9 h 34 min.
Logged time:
4 h 25 min
